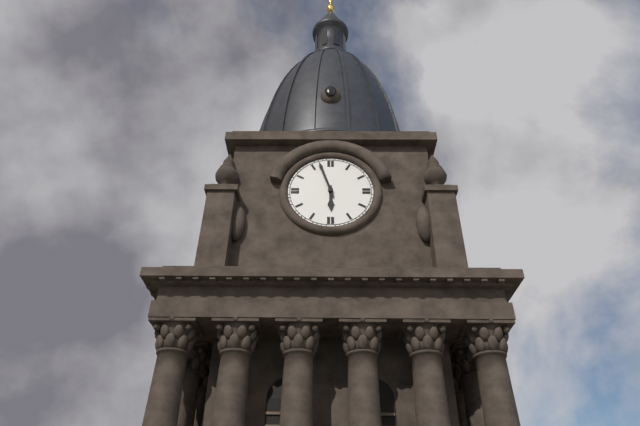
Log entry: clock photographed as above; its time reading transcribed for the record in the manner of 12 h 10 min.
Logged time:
5 h 57 min
